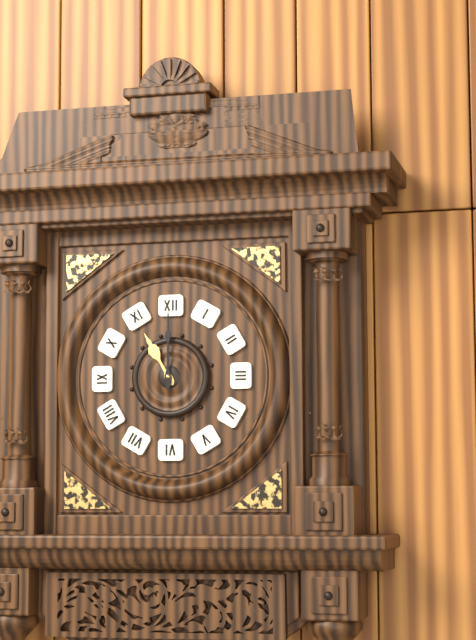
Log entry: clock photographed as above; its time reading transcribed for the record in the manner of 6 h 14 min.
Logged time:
11 h 00 min
